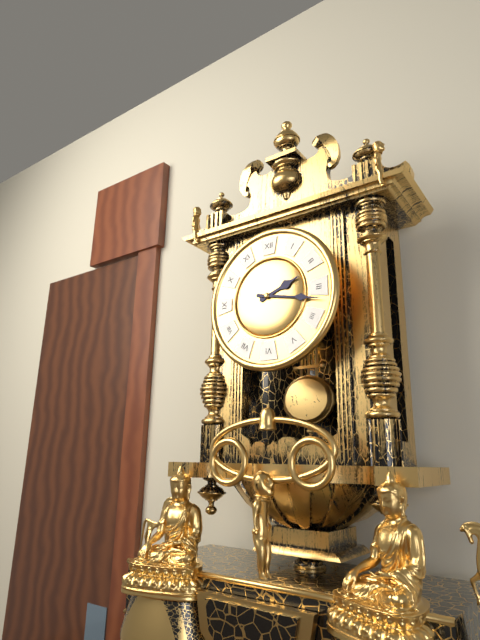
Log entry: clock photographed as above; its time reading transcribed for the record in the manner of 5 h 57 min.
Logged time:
2 h 17 min
